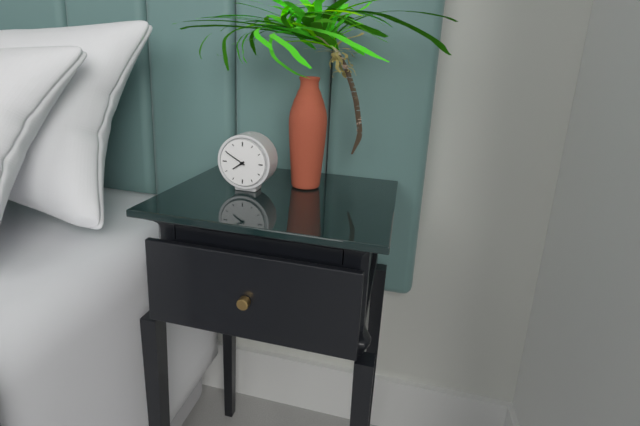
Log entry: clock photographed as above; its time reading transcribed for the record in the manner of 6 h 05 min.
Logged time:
7 h 50 min
